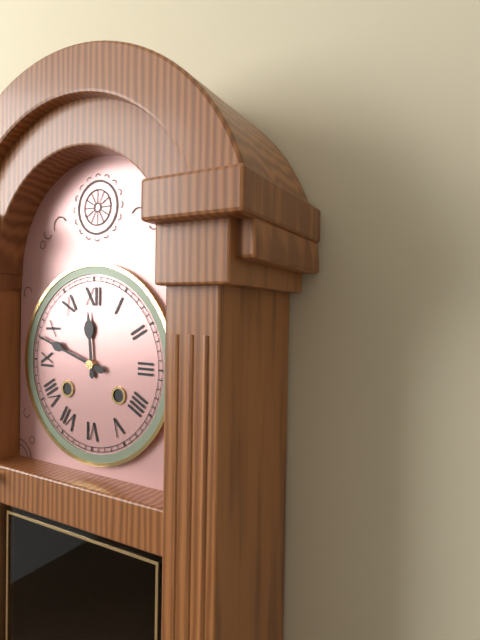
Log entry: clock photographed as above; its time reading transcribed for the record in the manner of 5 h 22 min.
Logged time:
11 h 48 min
